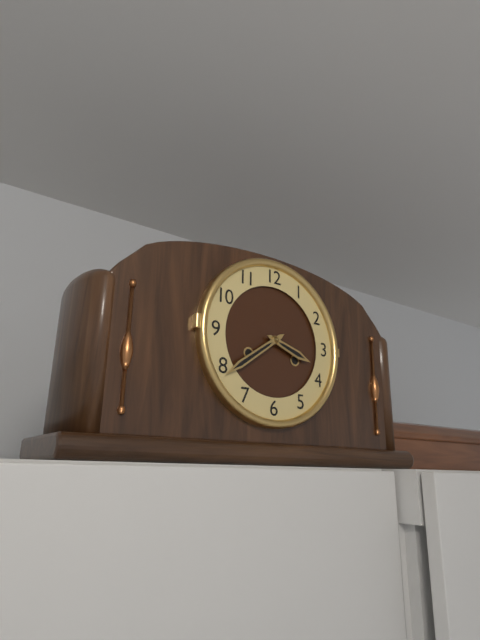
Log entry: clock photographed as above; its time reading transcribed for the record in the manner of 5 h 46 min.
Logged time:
3 h 39 min
